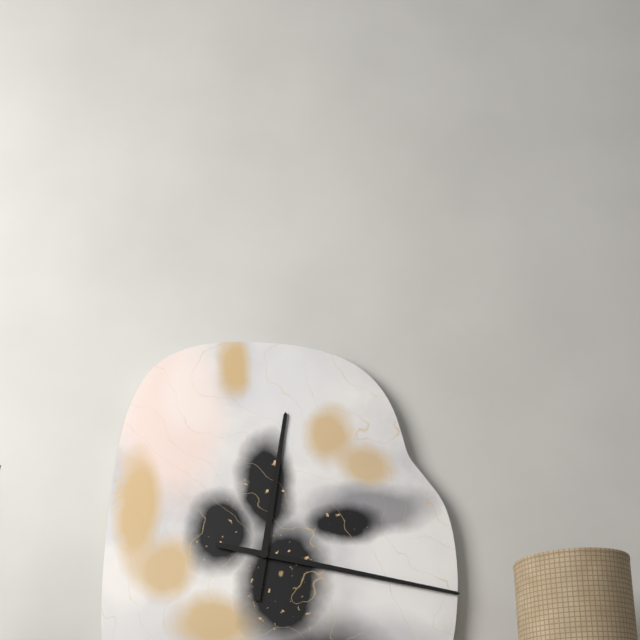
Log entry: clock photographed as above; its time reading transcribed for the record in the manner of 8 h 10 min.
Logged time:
12 h 17 min
